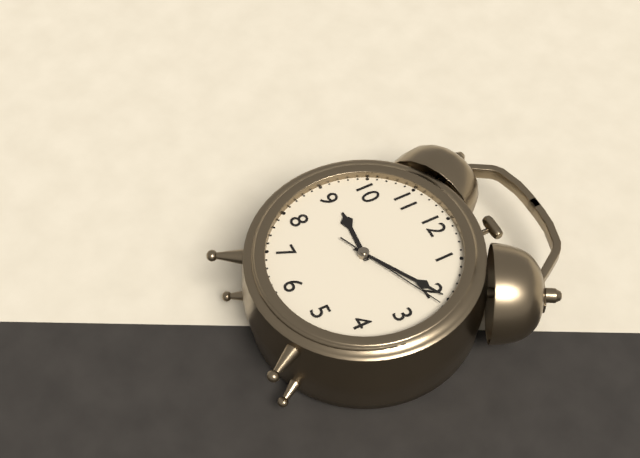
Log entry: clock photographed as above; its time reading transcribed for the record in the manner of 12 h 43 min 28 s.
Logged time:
9 h 10 min 11 s
